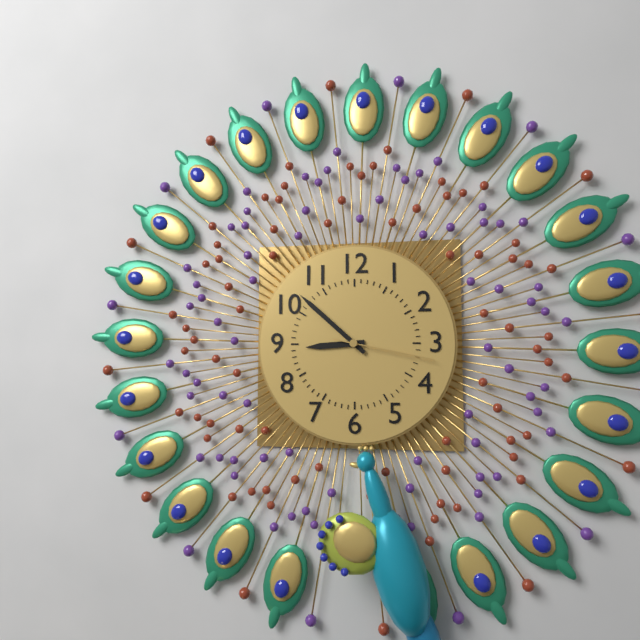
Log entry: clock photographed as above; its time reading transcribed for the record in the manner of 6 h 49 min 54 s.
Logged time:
8 h 52 min 17 s
